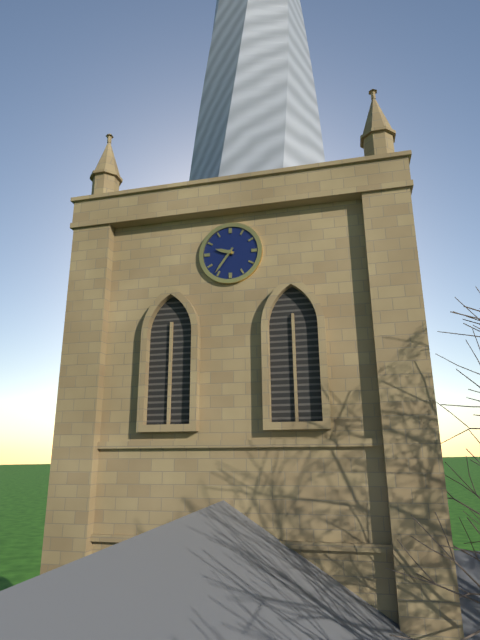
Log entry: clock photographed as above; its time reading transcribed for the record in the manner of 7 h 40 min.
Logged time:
9 h 36 min
